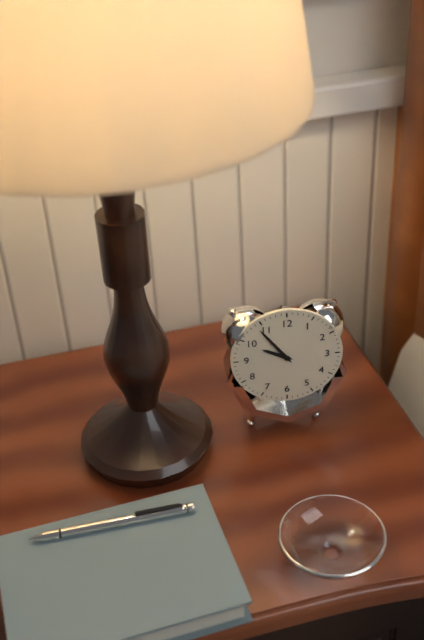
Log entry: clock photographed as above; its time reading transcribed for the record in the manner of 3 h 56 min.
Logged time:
9 h 54 min
